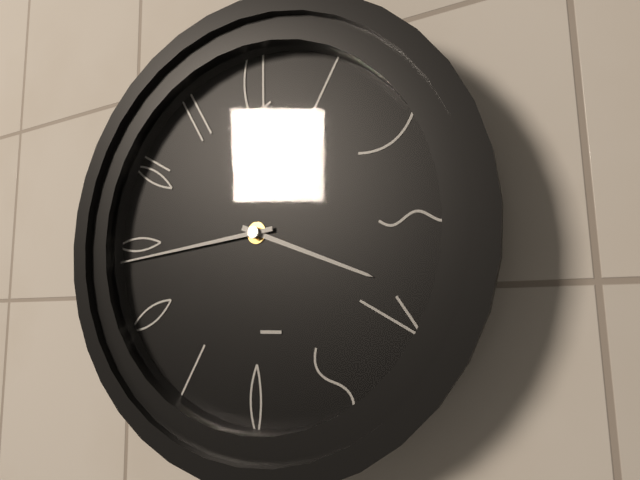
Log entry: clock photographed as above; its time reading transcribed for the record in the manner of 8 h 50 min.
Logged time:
3 h 44 min
